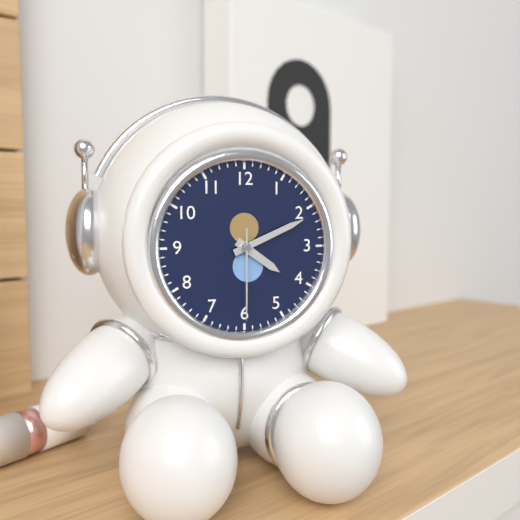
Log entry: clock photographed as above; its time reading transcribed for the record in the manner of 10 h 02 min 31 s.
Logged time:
4 h 11 min 30 s
